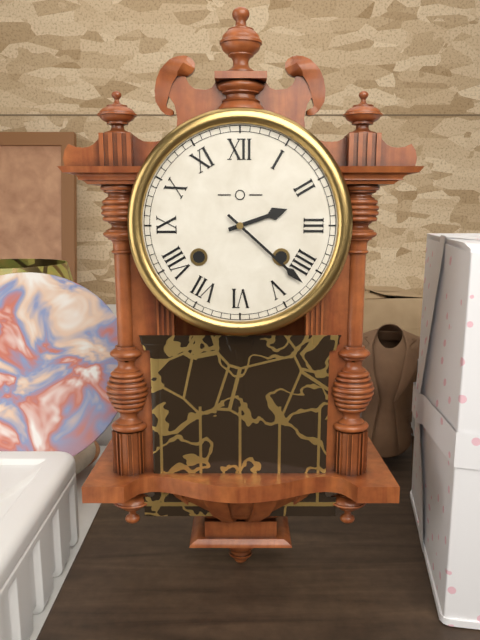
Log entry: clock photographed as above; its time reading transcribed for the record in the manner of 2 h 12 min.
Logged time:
2 h 22 min
